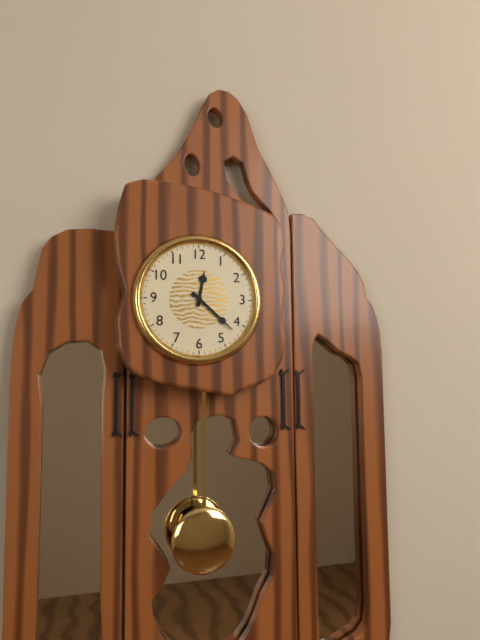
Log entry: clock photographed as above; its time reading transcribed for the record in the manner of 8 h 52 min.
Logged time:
12 h 22 min
